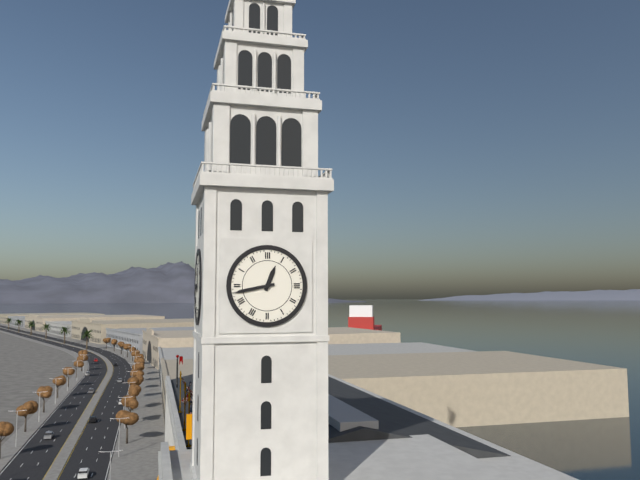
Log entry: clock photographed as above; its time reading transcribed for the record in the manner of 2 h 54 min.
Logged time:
12 h 43 min
